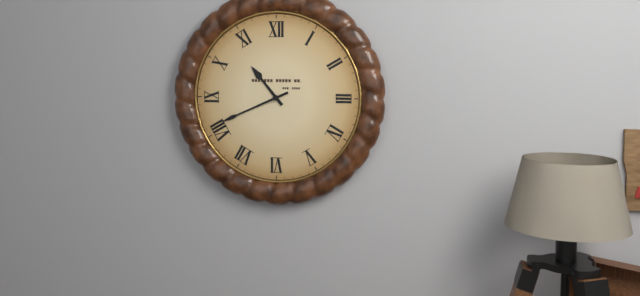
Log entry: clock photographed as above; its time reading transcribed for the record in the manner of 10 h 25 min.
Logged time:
10 h 41 min
